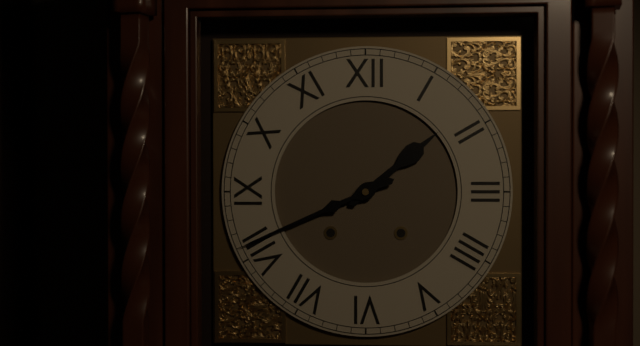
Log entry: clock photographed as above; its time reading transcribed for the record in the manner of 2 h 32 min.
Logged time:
1 h 41 min
